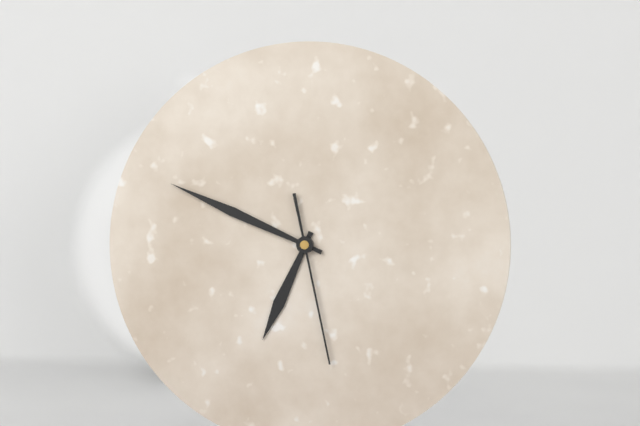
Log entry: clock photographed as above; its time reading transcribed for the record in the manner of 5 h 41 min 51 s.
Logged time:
6 h 49 min 28 s
